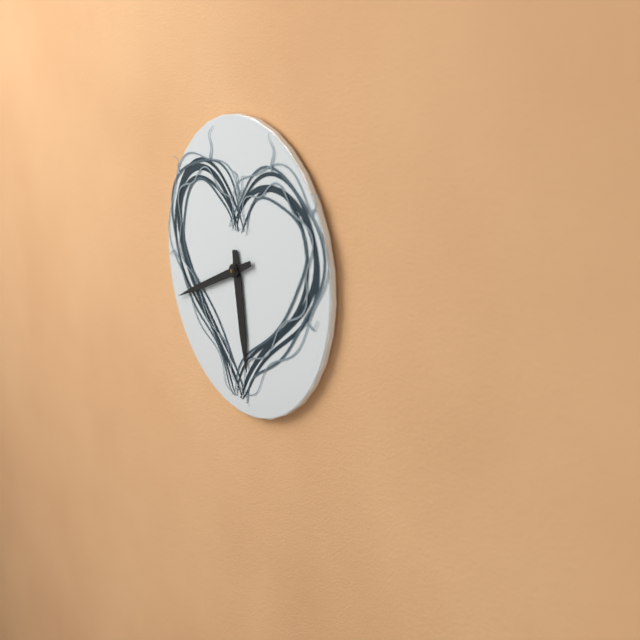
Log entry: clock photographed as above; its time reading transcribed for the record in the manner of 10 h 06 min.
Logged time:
5 h 41 min
